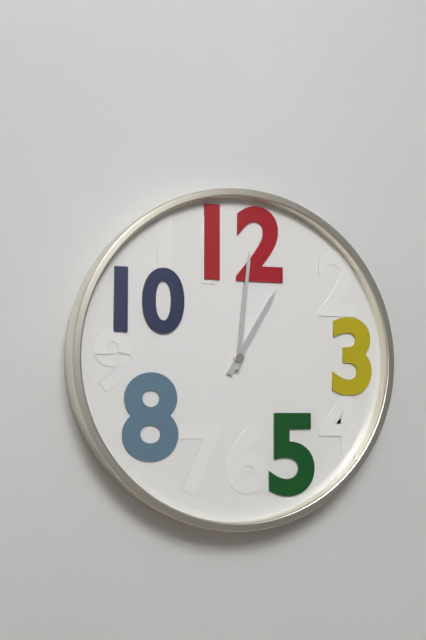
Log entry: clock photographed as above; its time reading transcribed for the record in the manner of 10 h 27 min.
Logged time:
1 h 01 min
